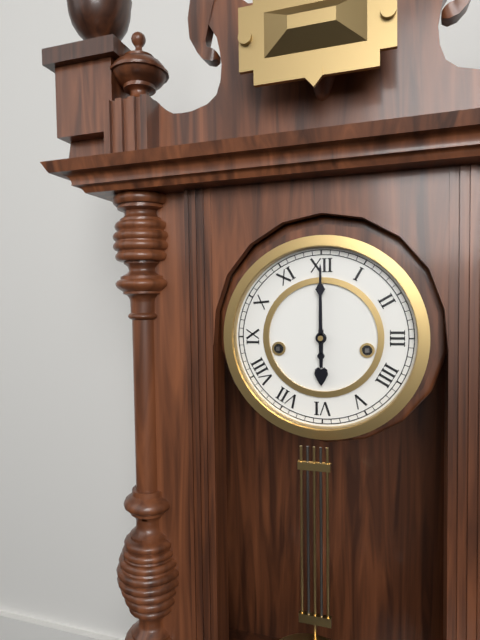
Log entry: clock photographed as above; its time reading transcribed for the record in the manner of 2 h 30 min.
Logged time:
6 h 00 min
